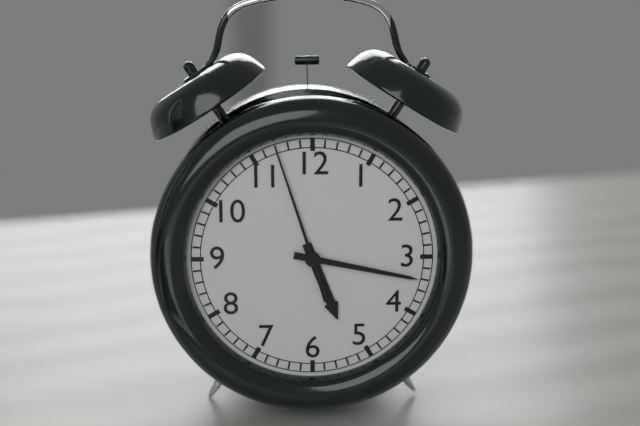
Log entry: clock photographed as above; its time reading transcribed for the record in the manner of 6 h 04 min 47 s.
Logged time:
5 h 17 min 57 s
